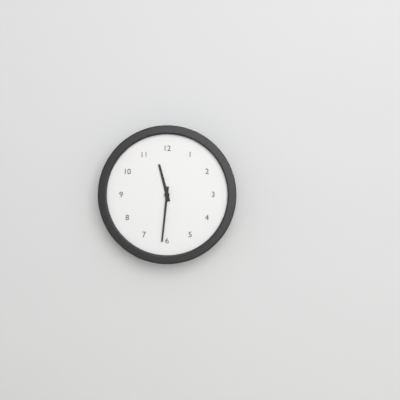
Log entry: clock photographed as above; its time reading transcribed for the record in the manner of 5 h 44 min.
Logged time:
11 h 31 min
